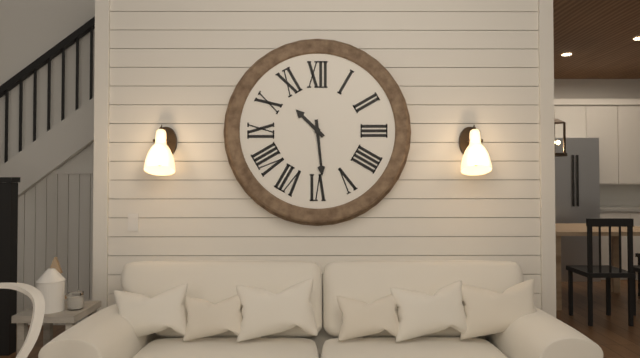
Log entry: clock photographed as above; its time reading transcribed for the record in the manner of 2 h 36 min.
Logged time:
10 h 29 min
